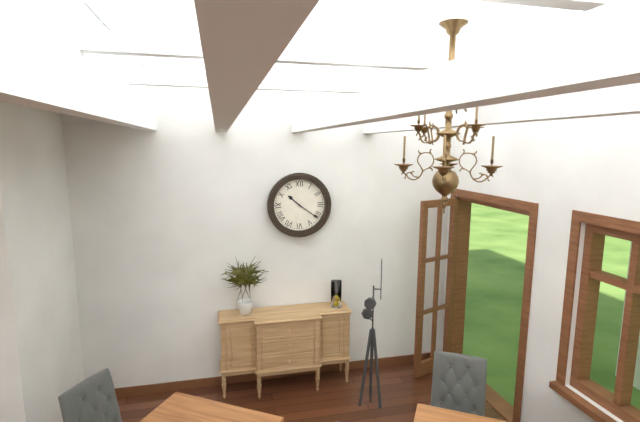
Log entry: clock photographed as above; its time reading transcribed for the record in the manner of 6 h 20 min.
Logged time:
10 h 21 min
